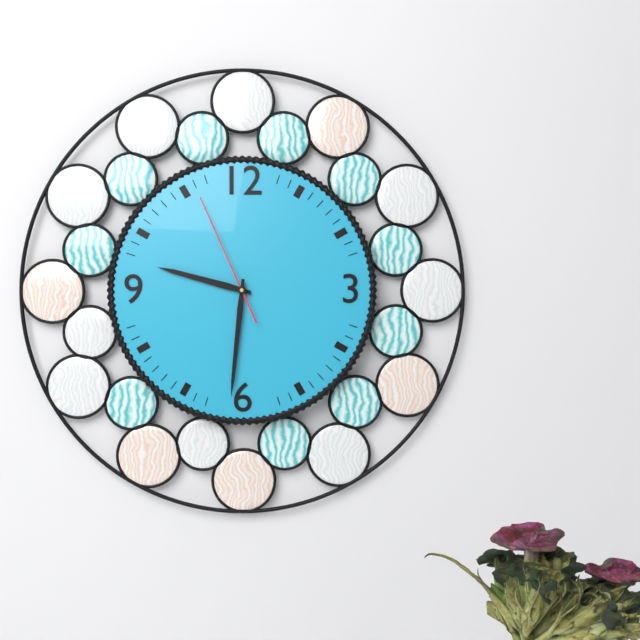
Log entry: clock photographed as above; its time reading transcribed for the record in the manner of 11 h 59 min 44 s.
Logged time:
9 h 31 min 56 s
